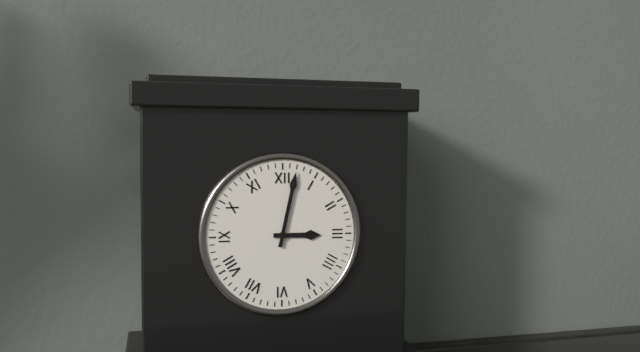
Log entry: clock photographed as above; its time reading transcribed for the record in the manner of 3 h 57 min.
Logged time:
3 h 02 min
